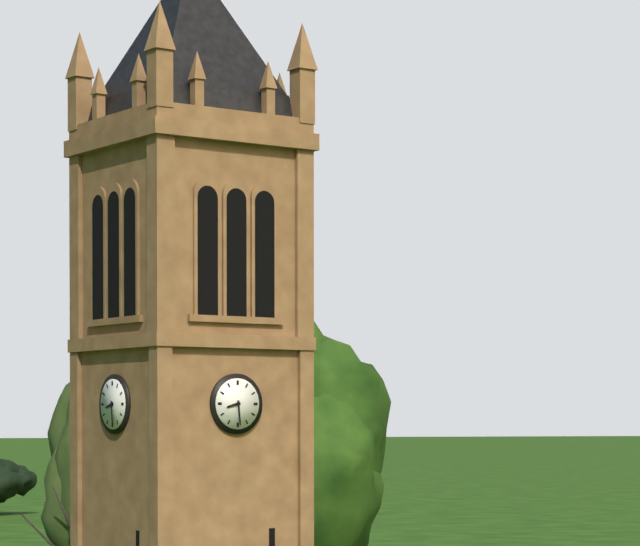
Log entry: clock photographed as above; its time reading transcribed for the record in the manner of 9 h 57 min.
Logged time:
8 h 29 min
